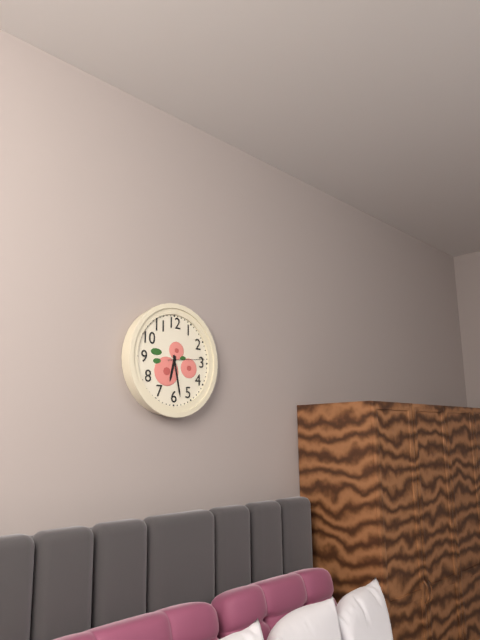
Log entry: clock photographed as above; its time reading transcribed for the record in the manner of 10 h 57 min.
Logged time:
6 h 28 min
